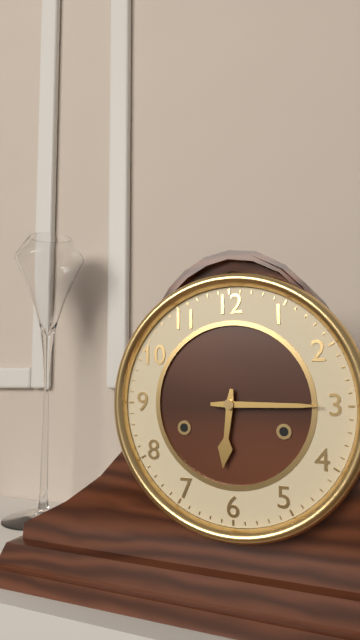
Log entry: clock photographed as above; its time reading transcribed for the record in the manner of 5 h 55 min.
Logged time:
6 h 15 min
